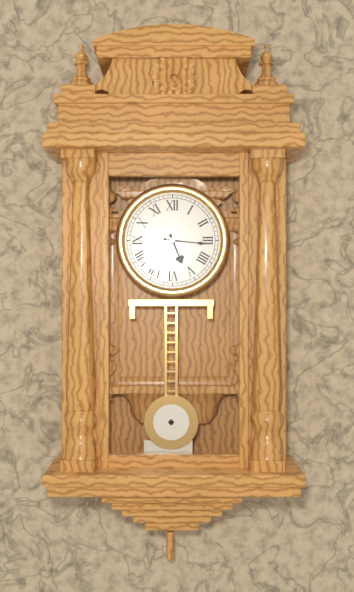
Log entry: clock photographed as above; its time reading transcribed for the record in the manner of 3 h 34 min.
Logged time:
5 h 16 min
